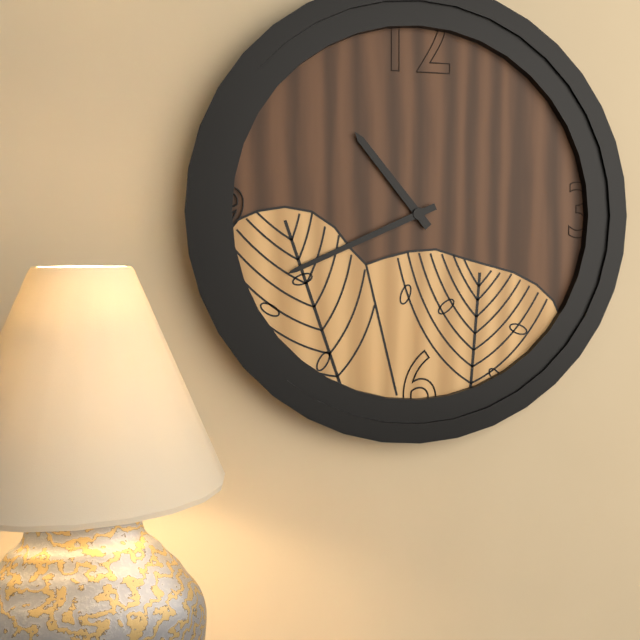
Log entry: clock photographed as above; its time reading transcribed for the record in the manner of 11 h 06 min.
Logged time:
10 h 41 min
